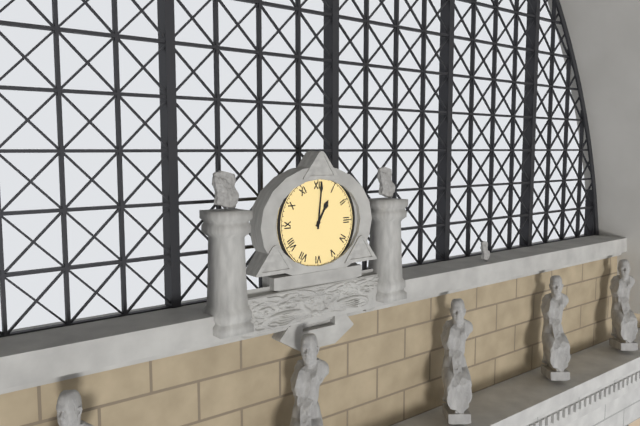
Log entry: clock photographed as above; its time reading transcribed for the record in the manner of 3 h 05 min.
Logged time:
1 h 01 min
